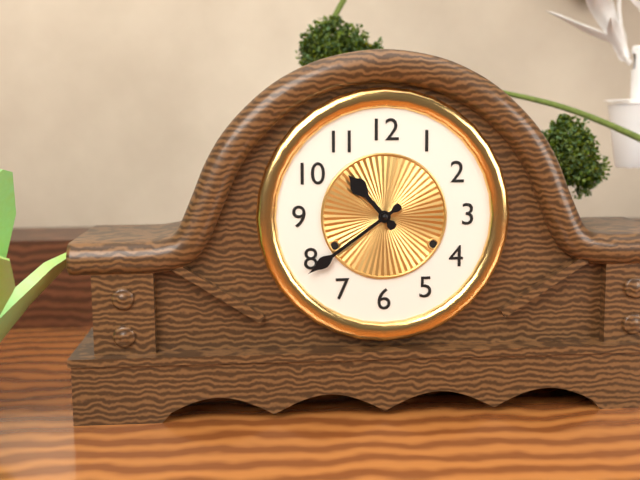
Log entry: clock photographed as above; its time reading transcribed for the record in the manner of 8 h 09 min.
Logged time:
10 h 39 min
